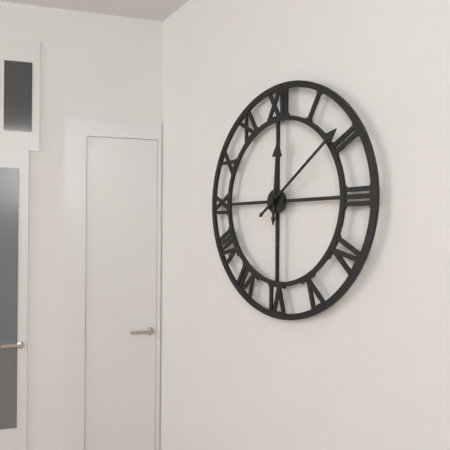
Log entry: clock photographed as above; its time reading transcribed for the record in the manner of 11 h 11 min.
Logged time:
12 h 09 min
